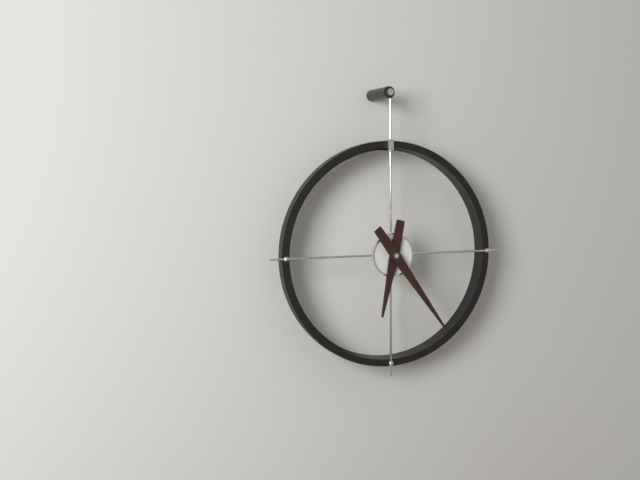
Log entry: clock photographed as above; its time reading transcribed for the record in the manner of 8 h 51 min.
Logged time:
6 h 24 min
